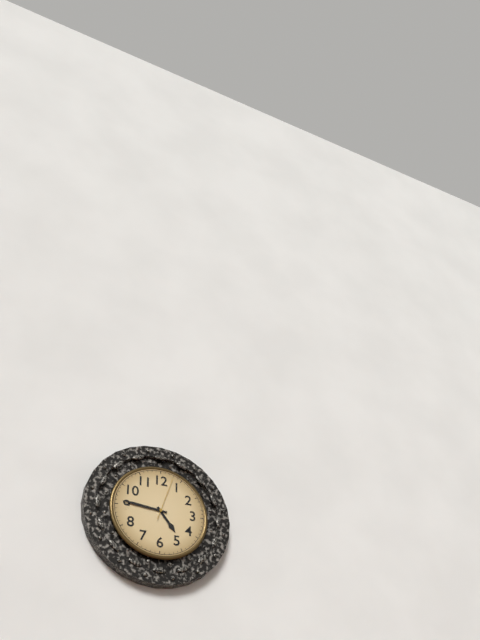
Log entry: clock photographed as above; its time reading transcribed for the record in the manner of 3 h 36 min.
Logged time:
4 h 46 min
